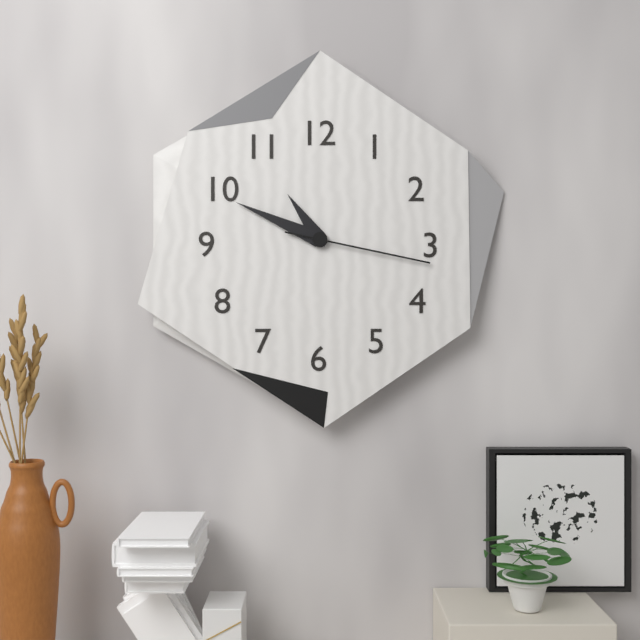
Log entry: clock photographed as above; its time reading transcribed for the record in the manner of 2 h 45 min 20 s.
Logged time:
10 h 49 min 17 s
